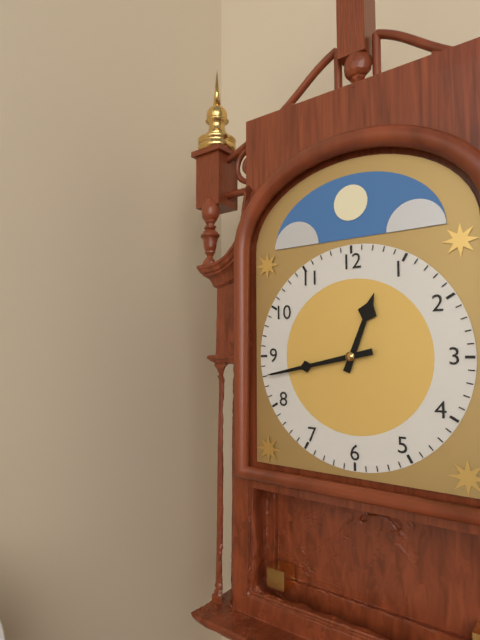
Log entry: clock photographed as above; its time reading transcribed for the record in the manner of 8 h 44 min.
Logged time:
12 h 43 min
